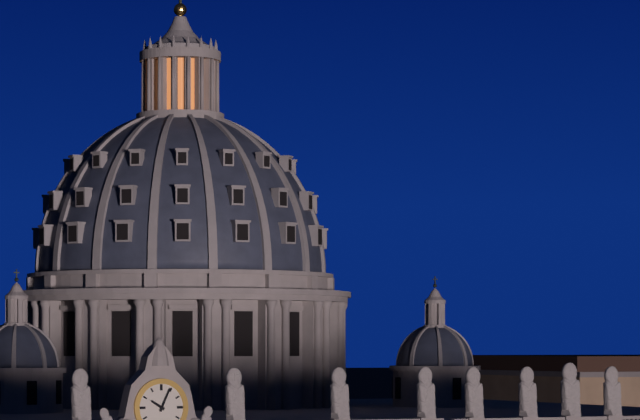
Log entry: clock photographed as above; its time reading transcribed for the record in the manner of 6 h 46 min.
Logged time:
10 h 04 min
